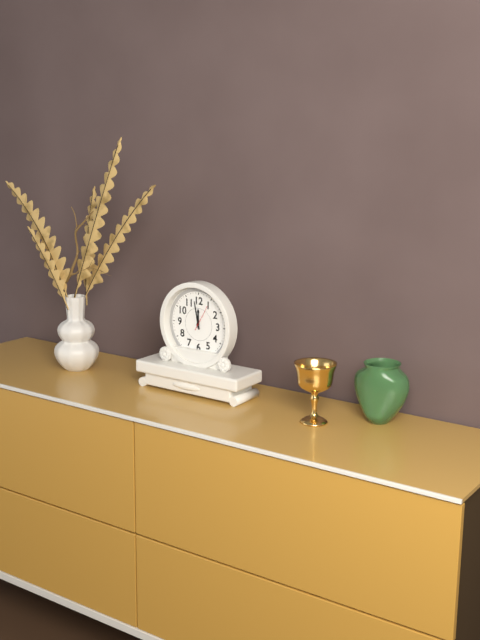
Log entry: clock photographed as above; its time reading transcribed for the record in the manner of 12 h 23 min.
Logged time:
11 h 58 min
